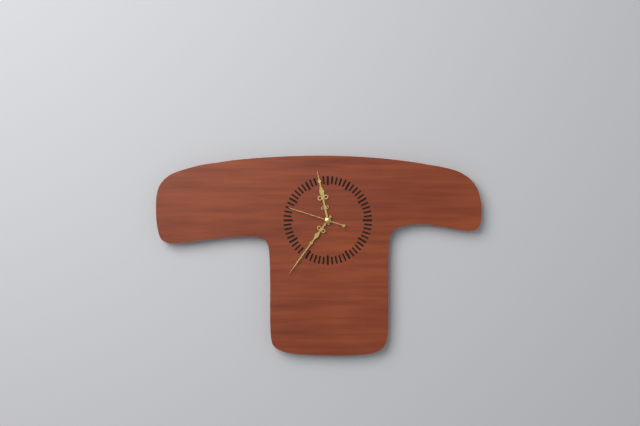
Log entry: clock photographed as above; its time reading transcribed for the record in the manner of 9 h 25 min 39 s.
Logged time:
11 h 36 min 48 s
